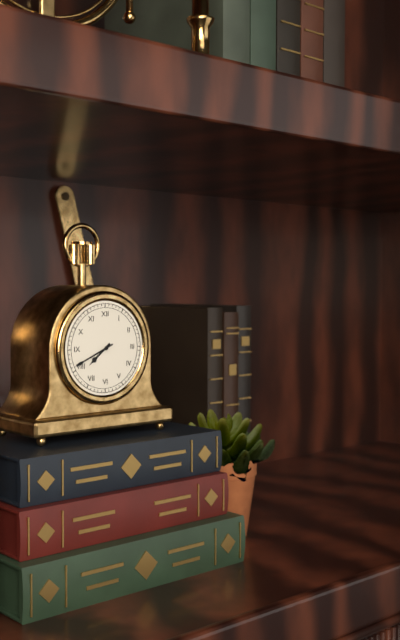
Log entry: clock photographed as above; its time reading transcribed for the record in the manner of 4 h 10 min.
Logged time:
7 h 41 min
